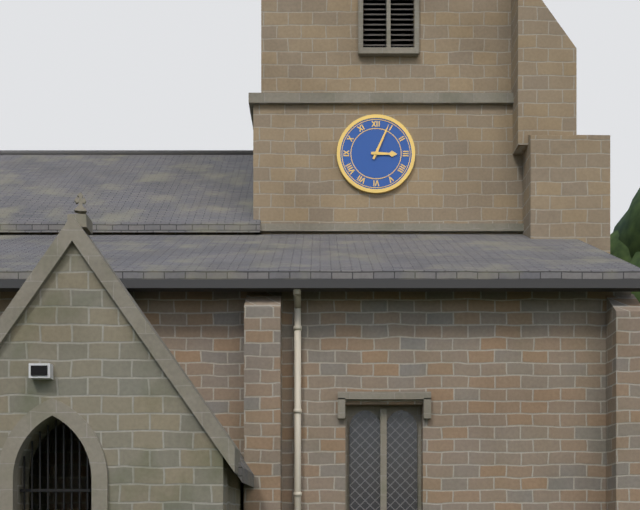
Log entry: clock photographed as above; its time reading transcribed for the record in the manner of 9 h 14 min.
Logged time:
3 h 04 min
